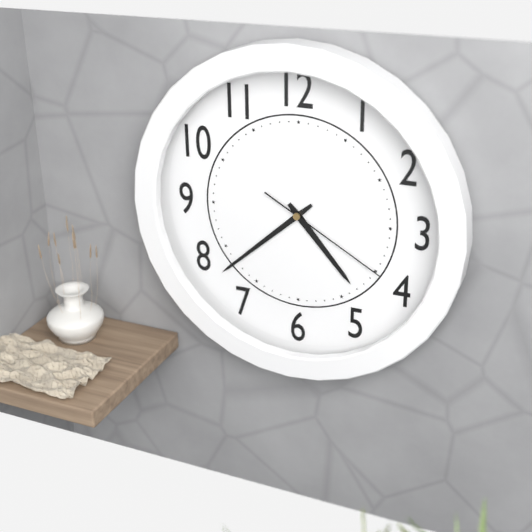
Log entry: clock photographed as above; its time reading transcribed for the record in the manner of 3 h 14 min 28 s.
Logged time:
4 h 38 min 20 s
